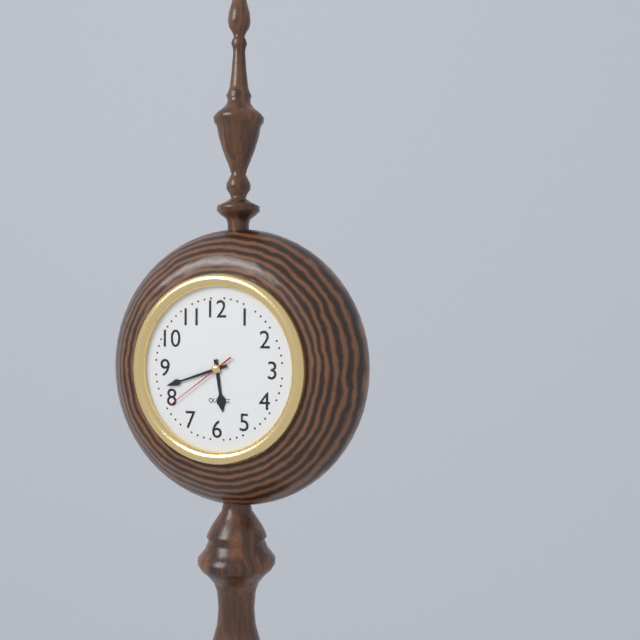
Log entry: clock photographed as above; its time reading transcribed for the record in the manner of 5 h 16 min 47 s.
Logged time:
5 h 42 min 39 s
